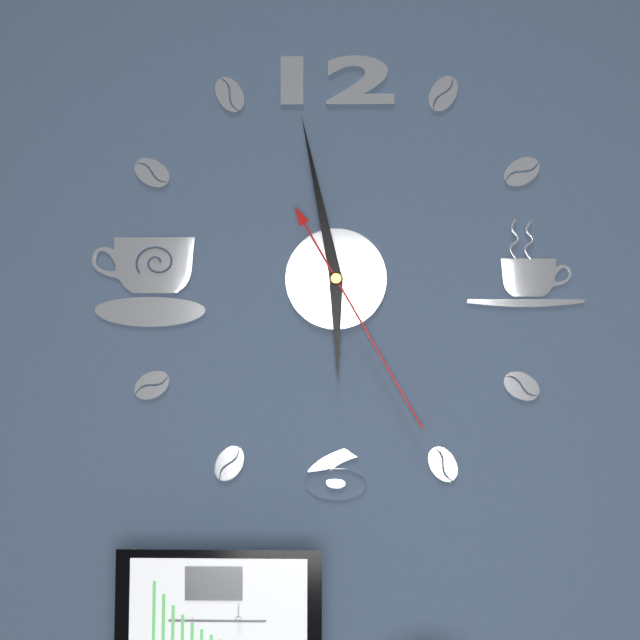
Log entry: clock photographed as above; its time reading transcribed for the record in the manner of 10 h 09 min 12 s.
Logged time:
5 h 58 min 25 s
